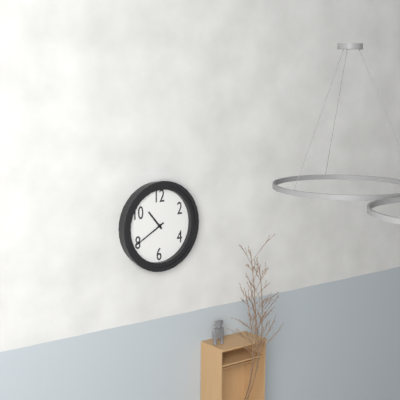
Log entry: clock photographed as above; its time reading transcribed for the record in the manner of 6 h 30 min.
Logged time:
10 h 40 min
